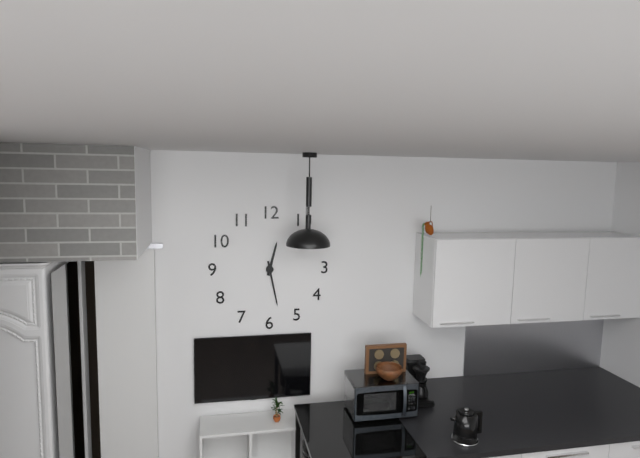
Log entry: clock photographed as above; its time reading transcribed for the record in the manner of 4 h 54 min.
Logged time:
12 h 28 min
